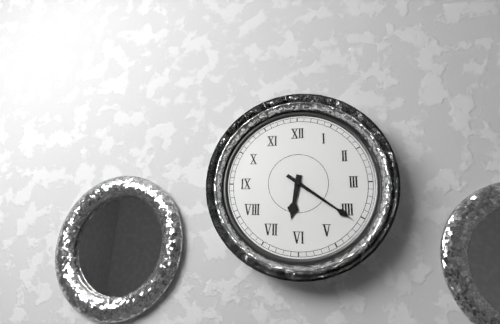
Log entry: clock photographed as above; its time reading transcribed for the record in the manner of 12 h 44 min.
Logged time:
6 h 21 min
